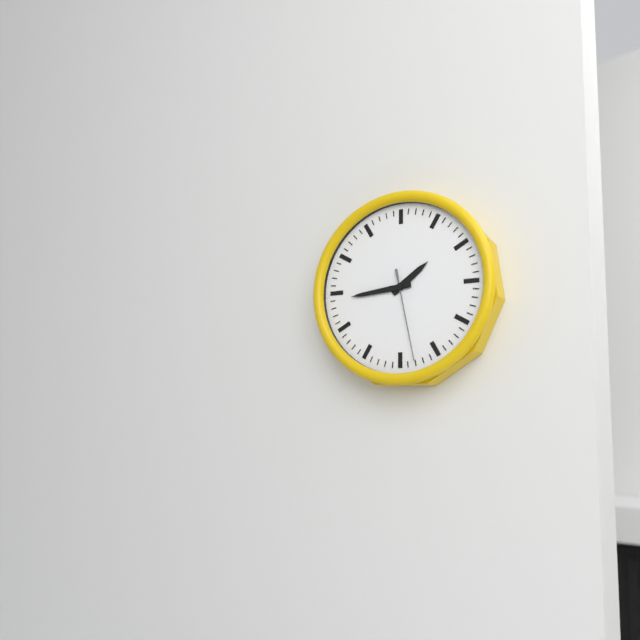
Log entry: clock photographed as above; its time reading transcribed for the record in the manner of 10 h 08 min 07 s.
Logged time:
1 h 44 min 28 s
